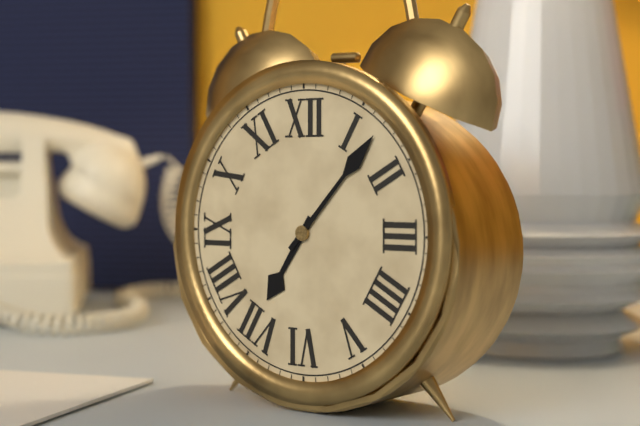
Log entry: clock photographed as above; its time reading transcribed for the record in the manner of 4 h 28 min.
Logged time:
7 h 07 min
